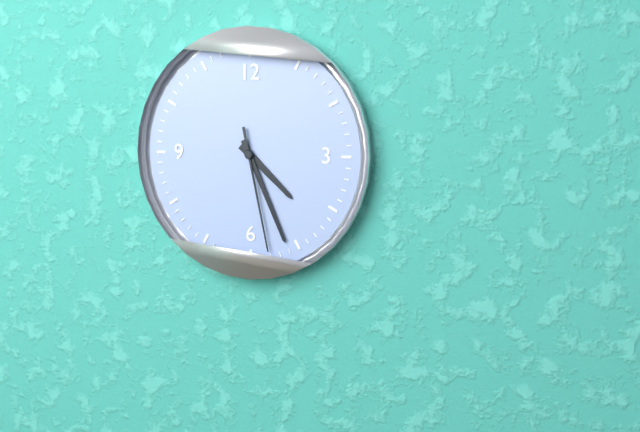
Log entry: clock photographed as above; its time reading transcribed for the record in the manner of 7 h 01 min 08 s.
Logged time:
4 h 26 min 28 s
